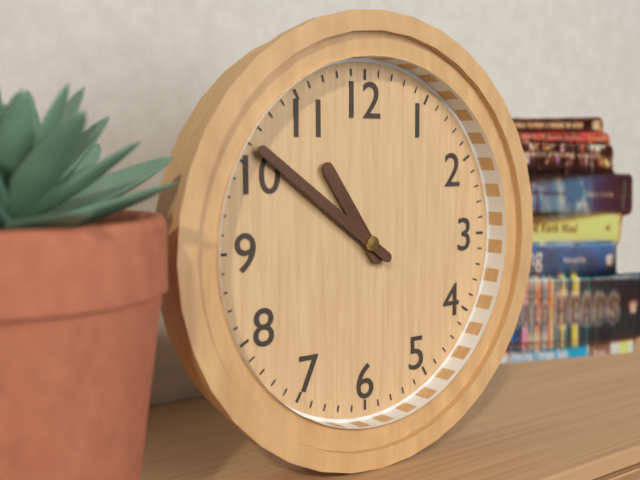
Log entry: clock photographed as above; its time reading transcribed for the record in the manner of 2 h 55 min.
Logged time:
10 h 51 min
